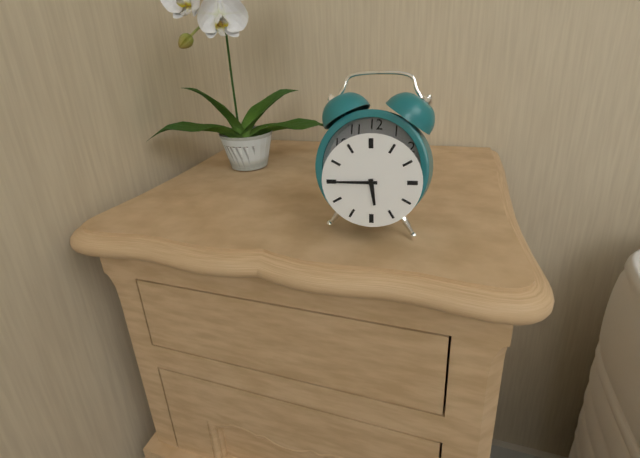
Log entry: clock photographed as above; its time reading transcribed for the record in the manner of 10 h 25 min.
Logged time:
5 h 45 min
